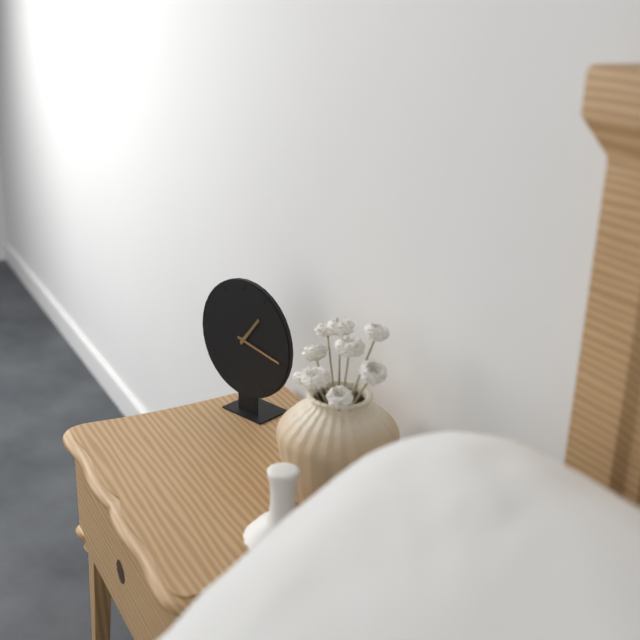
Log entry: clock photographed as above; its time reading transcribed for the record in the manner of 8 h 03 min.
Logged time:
1 h 17 min
